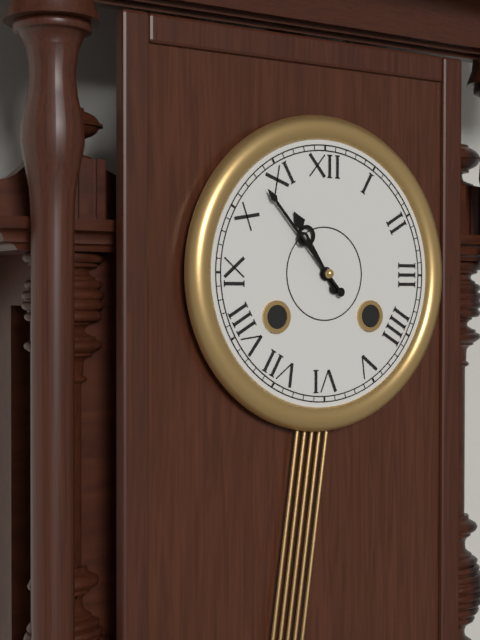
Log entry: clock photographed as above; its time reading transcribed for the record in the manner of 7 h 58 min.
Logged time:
10 h 53 min
